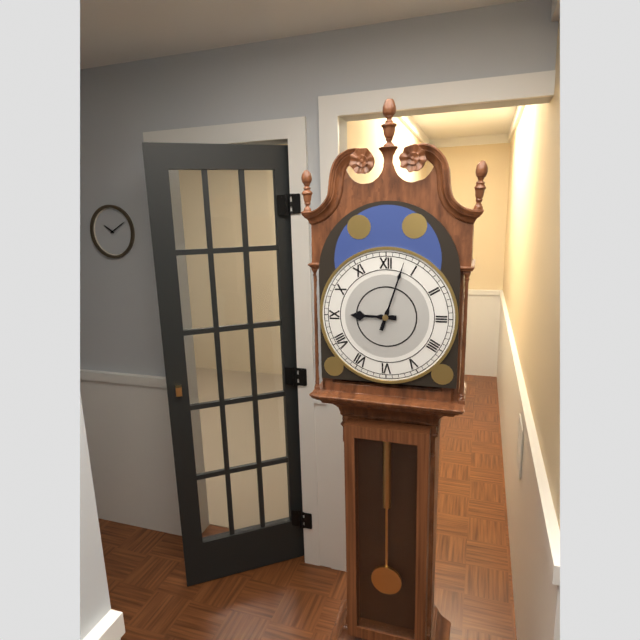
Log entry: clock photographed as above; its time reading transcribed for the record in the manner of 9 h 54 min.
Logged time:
9 h 03 min
